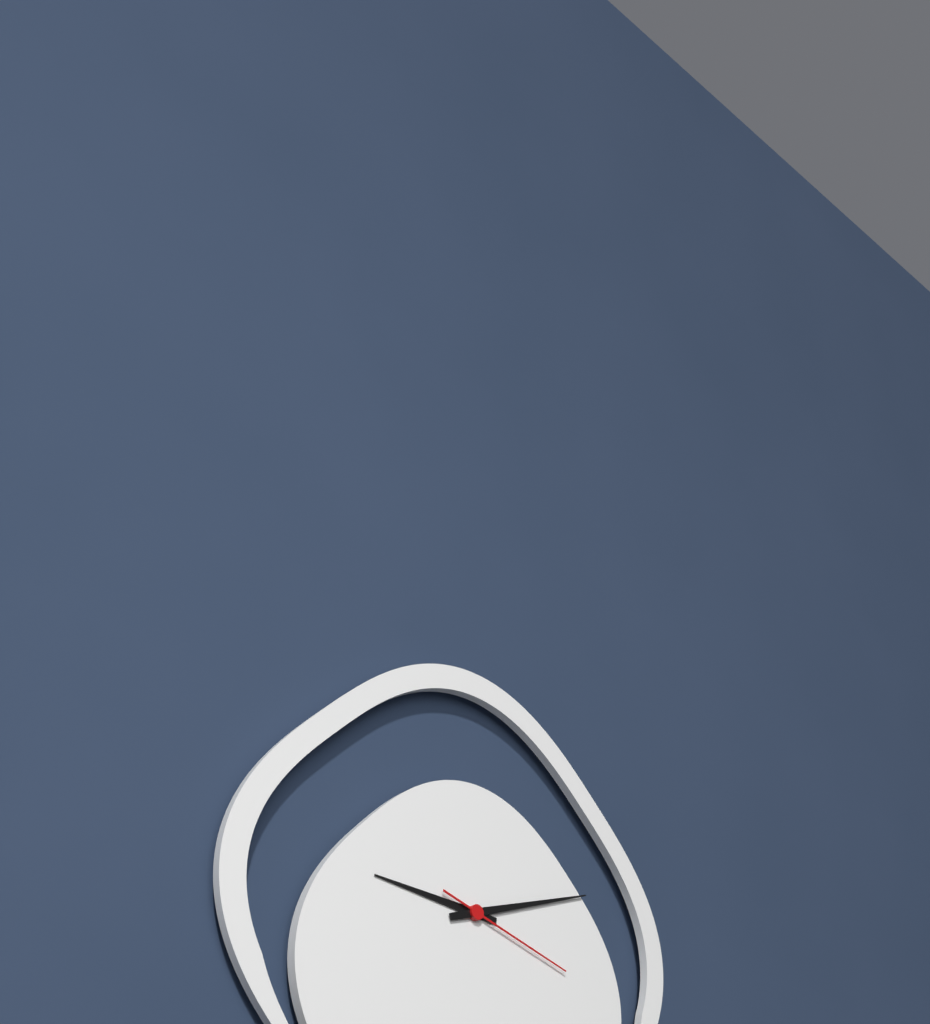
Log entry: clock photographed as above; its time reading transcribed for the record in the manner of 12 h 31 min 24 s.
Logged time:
9 h 12 min 18 s
